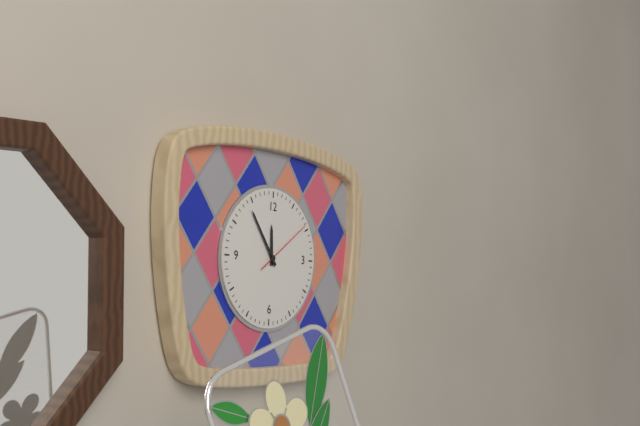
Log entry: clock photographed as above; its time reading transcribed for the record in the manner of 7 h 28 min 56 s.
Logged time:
11 h 54 min 09 s
